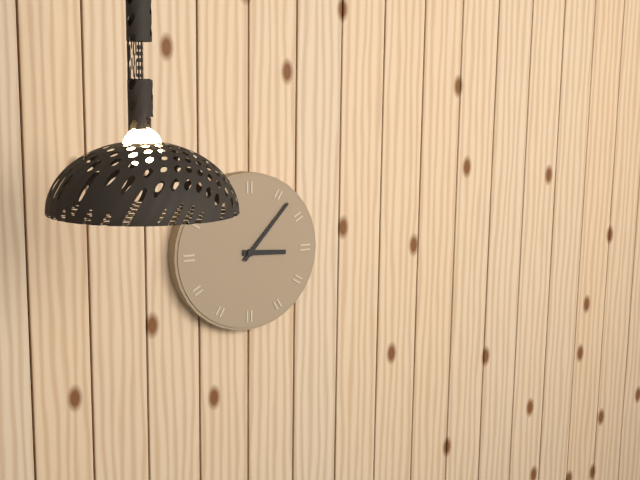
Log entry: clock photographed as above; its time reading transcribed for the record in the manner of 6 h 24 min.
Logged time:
3 h 07 min
